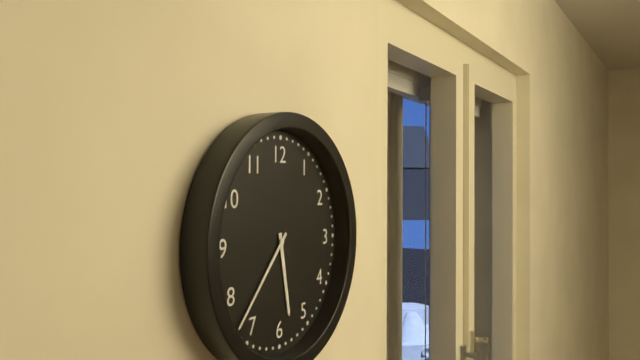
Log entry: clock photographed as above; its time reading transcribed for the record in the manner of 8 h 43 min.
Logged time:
5 h 37 min
